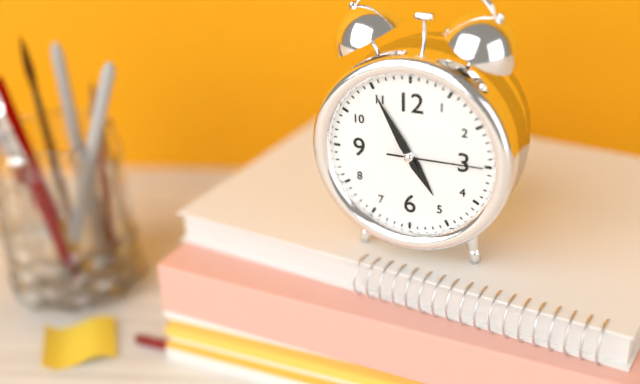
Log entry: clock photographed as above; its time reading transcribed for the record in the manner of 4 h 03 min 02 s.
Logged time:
4 h 55 min 15 s
